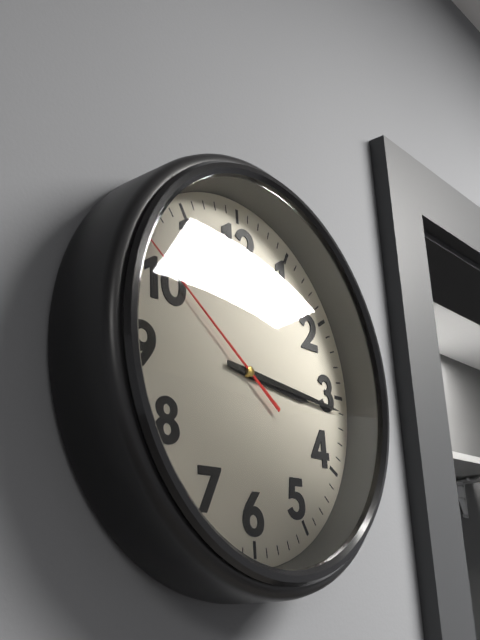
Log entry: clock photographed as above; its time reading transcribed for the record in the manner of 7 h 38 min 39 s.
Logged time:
3 h 16 min 51 s
